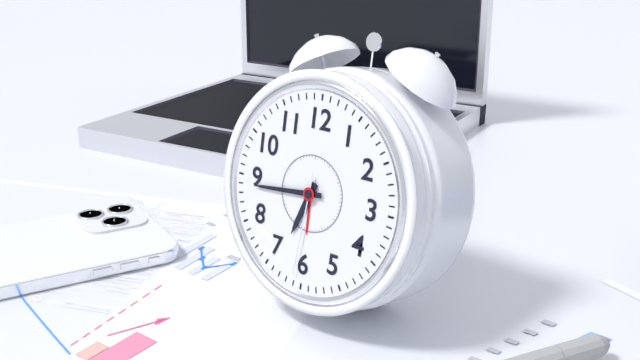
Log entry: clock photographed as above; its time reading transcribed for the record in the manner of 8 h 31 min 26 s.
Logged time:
6 h 44 min 31 s
